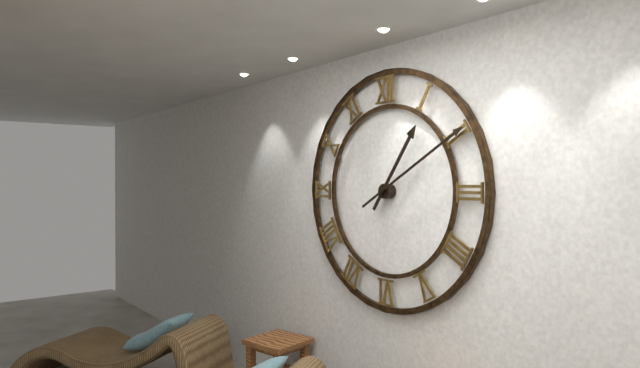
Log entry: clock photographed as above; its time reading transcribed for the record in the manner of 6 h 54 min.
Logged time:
1 h 10 min
